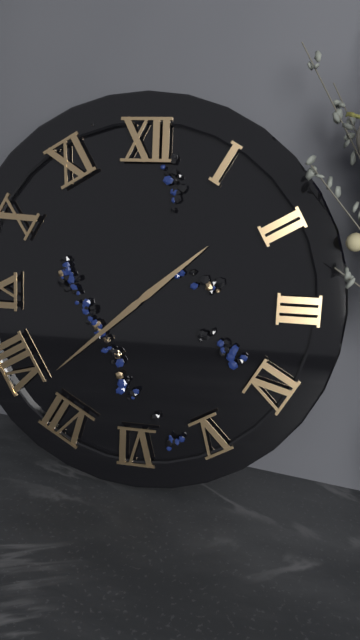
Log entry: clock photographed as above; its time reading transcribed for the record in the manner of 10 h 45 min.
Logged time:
1 h 38 min
